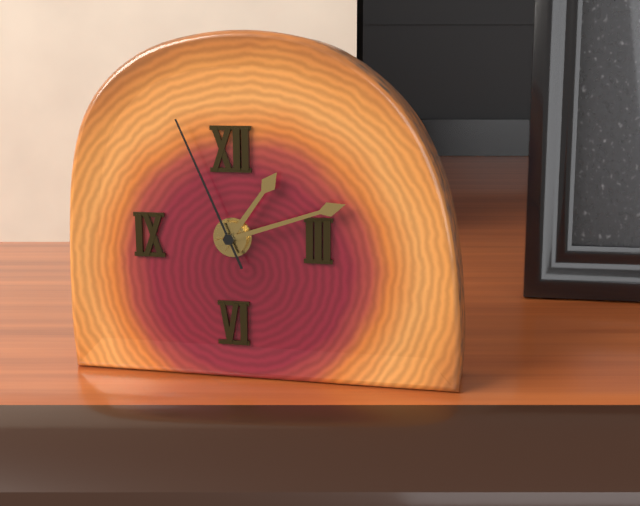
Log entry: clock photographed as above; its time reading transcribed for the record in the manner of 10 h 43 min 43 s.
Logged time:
1 h 12 min 56 s
